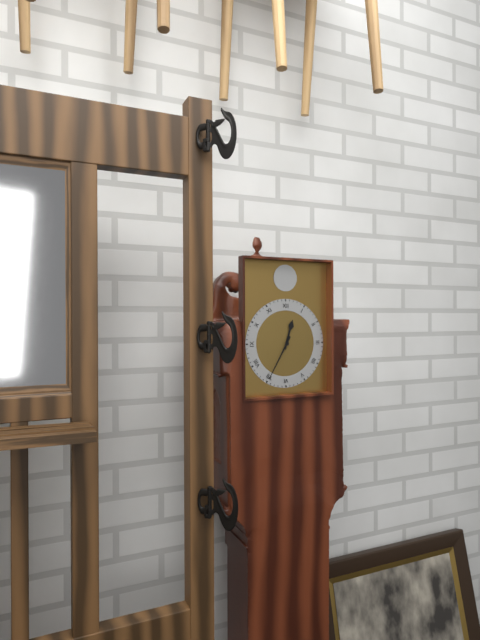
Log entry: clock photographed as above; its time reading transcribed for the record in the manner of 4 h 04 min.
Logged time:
12 h 35 min
